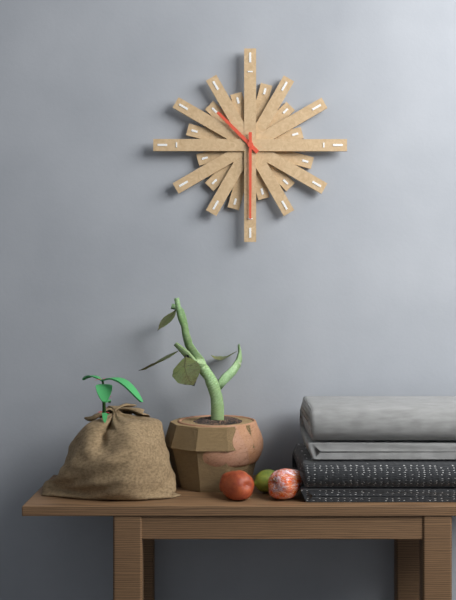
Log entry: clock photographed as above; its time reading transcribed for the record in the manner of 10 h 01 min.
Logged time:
10 h 30 min
